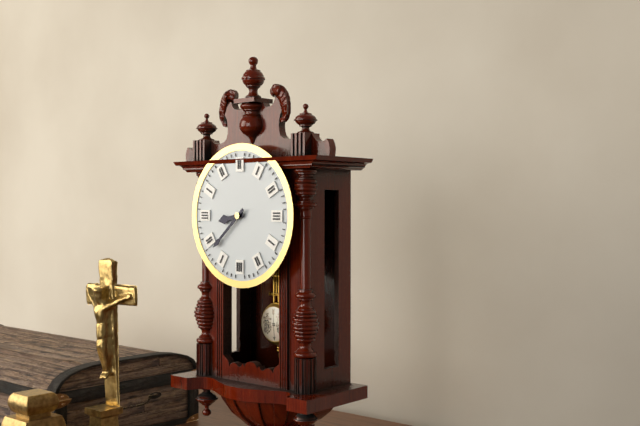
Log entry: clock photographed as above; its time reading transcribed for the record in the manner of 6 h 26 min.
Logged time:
8 h 38 min
